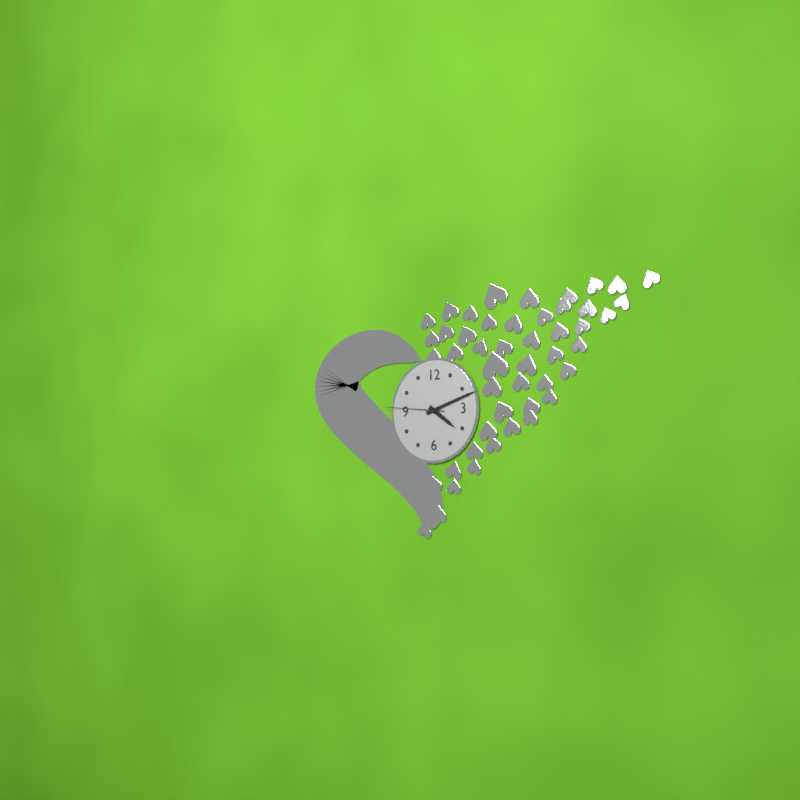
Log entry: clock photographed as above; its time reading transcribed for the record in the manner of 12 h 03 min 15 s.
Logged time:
4 h 12 min 46 s
